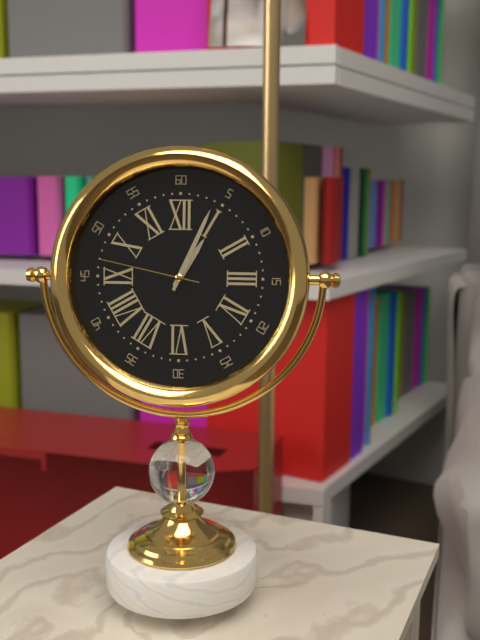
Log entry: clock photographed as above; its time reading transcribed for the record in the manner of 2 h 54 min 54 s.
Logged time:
1 h 04 min 47 s
